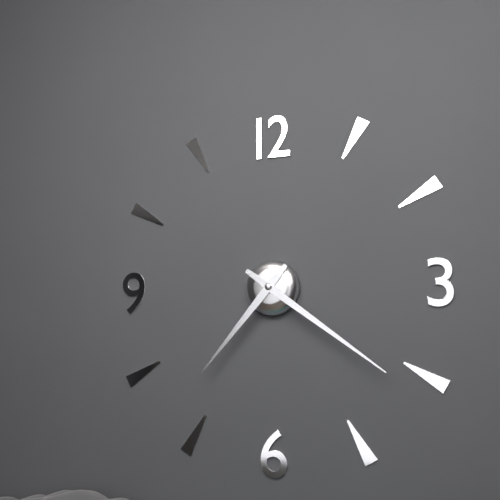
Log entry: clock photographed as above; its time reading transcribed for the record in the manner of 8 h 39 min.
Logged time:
7 h 21 min
